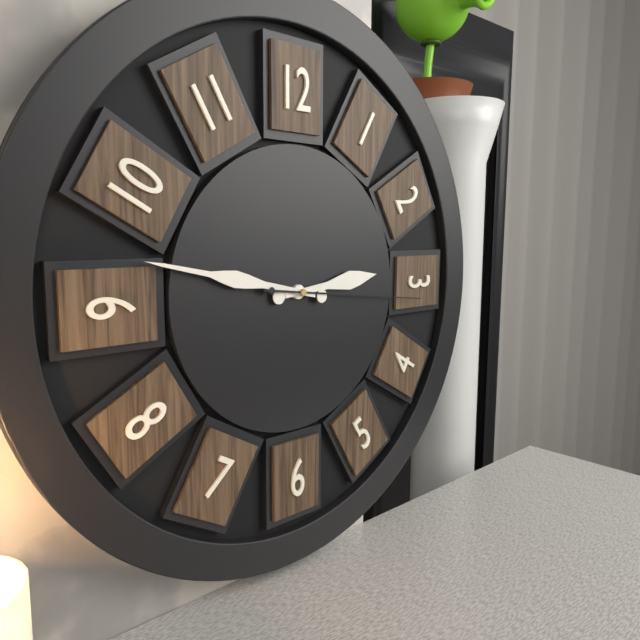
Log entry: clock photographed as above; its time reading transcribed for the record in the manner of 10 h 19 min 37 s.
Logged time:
2 h 47 min 16 s
